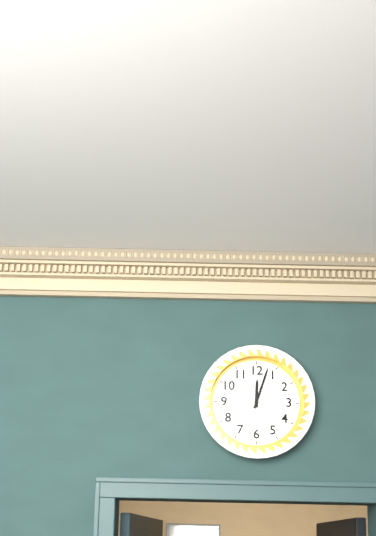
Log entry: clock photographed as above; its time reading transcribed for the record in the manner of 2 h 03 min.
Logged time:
12 h 03 min
